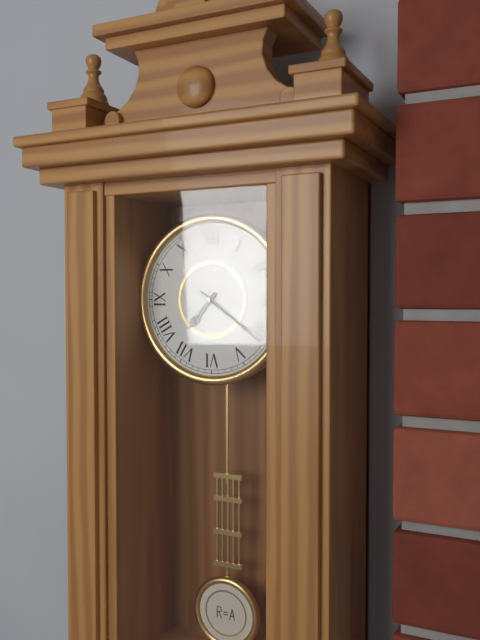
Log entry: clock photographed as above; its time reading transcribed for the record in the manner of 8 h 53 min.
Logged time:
7 h 21 min
